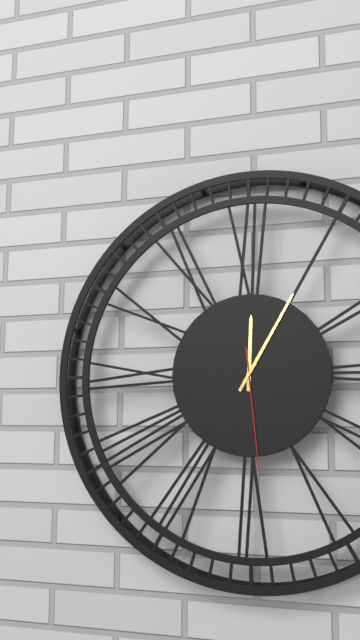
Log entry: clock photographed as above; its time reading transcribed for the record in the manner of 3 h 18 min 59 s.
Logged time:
12 h 05 min 29 s
